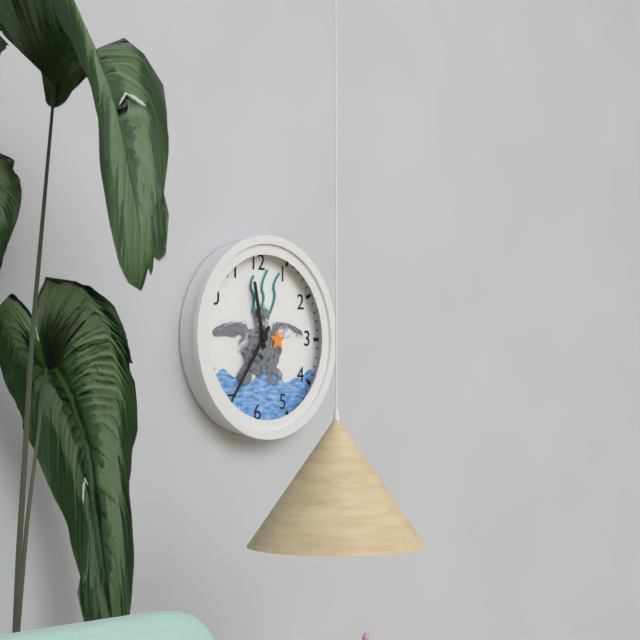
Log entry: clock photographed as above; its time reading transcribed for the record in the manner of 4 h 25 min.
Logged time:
11 h 36 min
